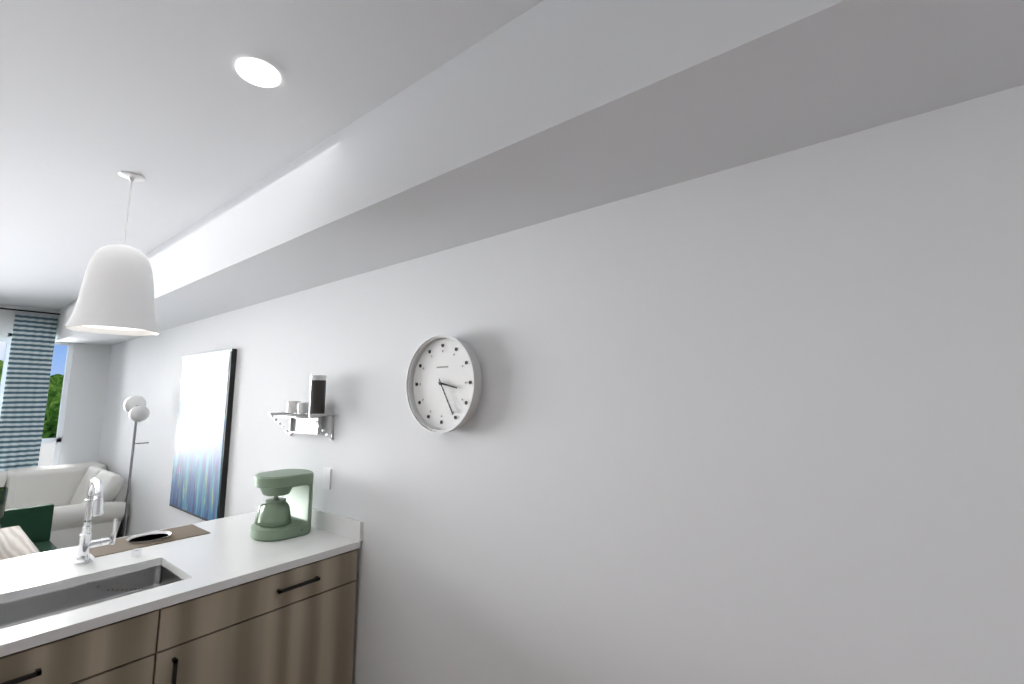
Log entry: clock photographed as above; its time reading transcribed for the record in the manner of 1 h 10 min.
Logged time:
3 h 25 min
